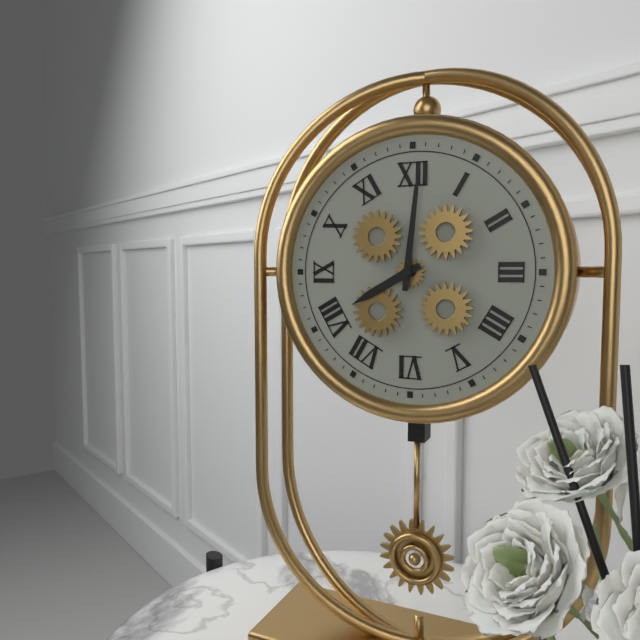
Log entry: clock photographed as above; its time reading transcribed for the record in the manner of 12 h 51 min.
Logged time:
8 h 01 min
